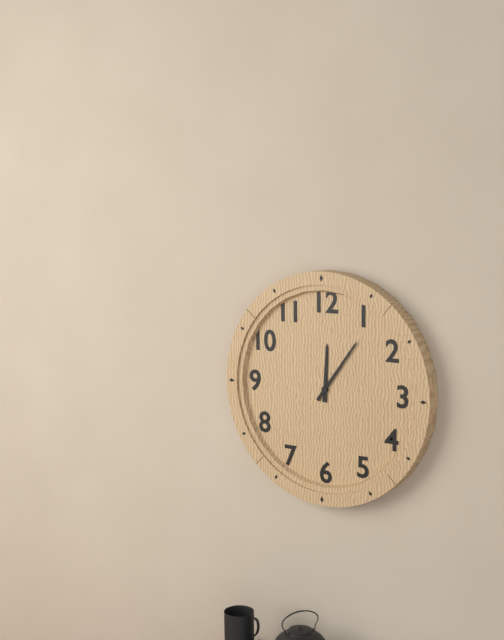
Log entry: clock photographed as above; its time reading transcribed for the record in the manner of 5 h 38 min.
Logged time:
12 h 06 min
